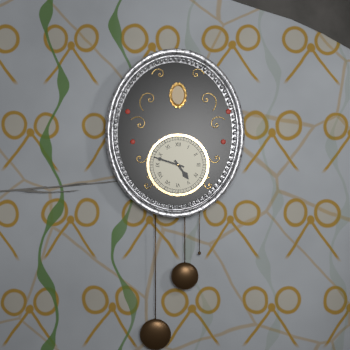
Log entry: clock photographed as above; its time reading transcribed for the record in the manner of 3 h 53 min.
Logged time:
4 h 48 min
